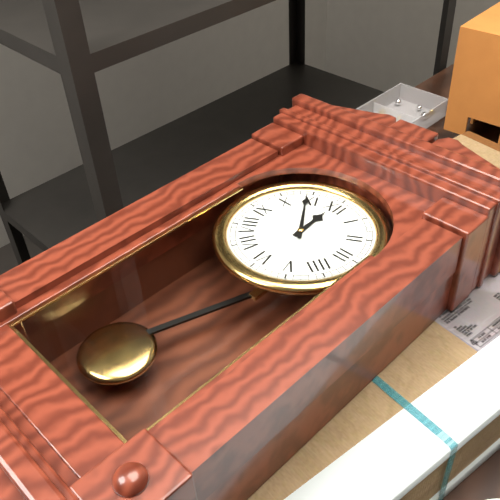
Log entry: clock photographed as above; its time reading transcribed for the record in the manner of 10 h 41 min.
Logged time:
11 h 54 min
